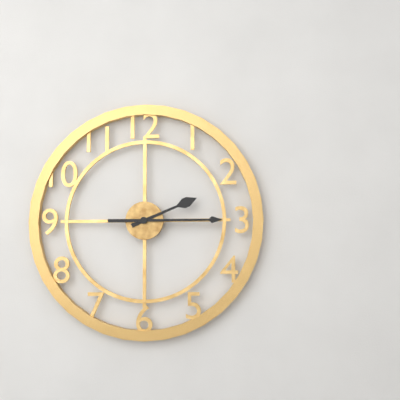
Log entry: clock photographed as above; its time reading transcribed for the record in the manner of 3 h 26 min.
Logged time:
2 h 15 min
